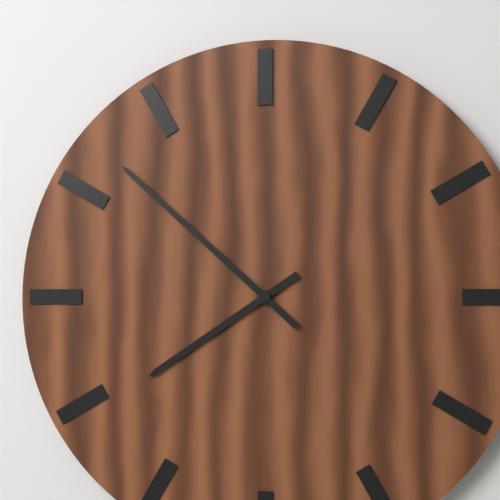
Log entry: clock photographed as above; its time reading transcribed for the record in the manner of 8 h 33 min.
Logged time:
7 h 52 min
